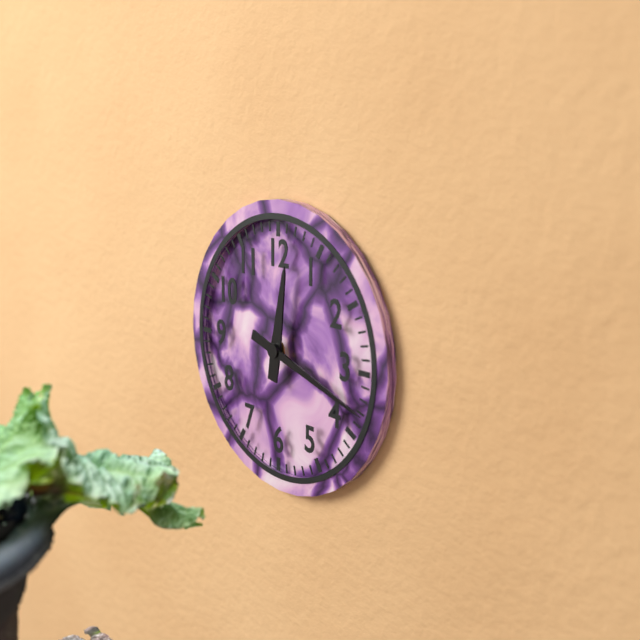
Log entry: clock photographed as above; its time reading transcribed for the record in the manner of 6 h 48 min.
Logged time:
12 h 18 min
